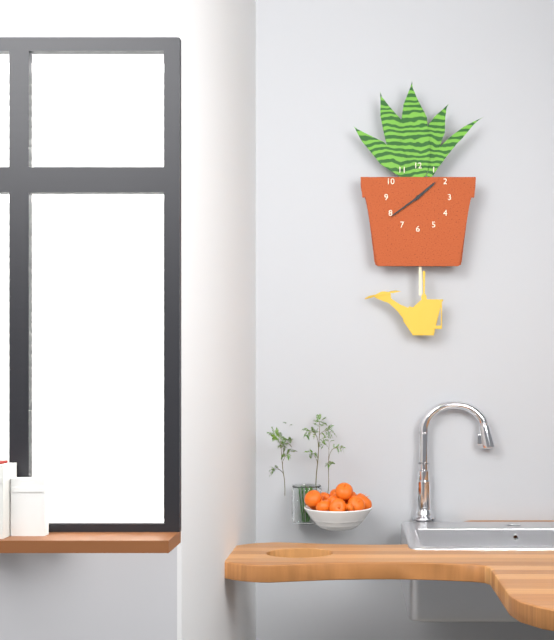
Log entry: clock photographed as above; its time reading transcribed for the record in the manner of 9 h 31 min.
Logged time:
1 h 39 min
